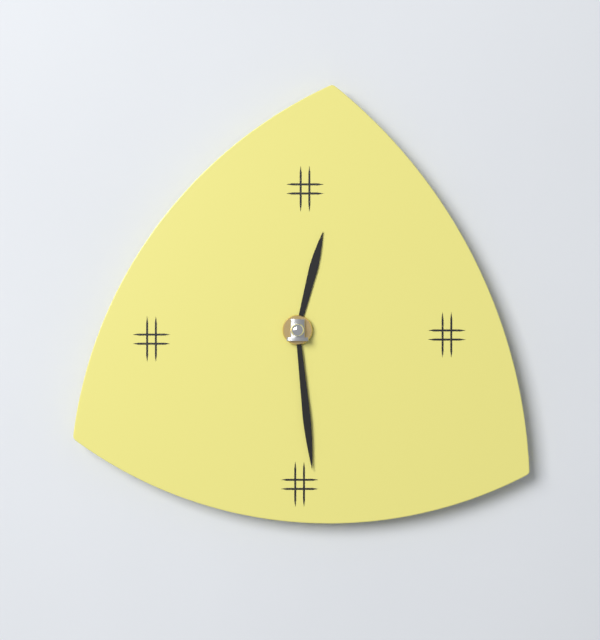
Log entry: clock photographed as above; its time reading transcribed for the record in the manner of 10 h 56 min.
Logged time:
12 h 29 min
